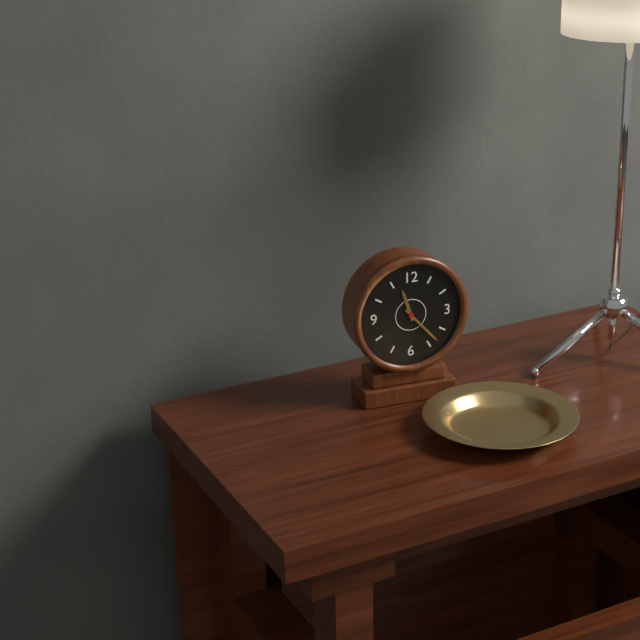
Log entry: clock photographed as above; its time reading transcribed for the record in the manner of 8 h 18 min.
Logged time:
11 h 23 min
